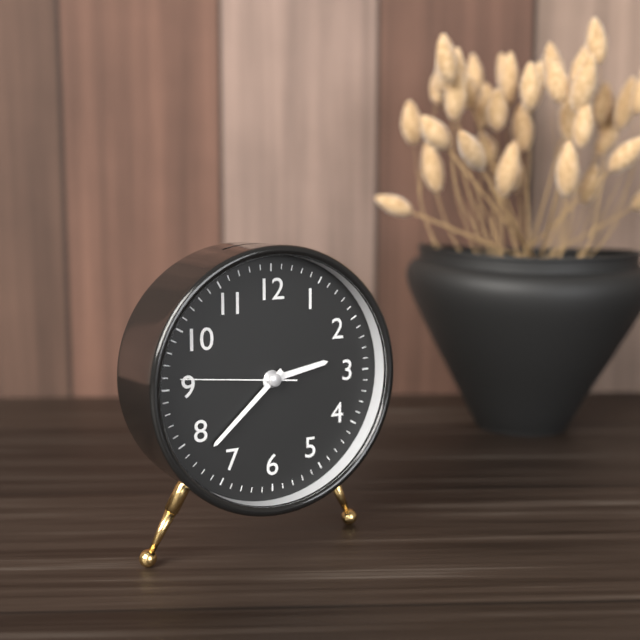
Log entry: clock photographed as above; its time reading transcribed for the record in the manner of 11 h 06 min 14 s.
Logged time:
2 h 38 min 46 s
